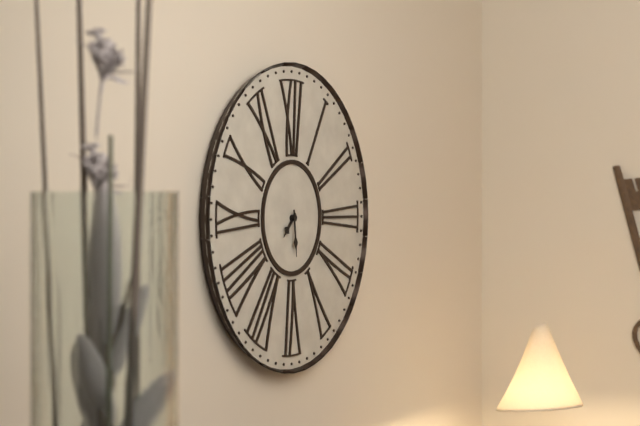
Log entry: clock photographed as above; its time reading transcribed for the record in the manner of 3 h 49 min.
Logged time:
7 h 29 min
